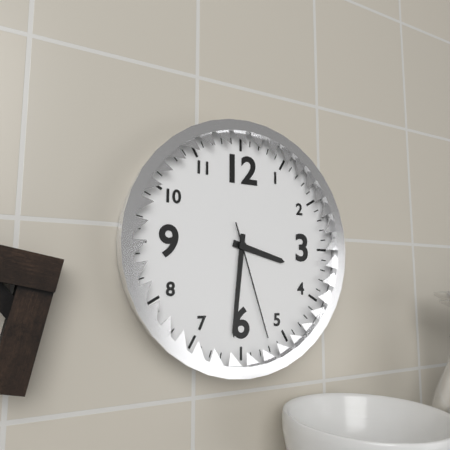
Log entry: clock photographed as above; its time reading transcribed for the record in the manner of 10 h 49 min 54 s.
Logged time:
3 h 31 min 27 s
